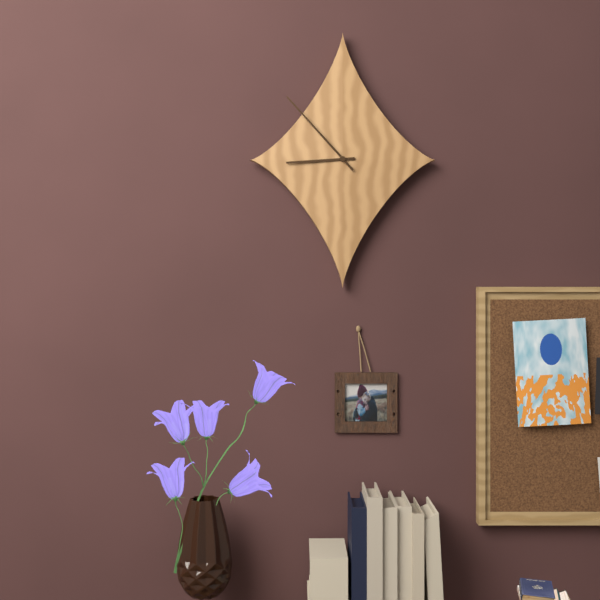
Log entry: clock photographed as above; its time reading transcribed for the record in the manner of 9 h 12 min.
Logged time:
8 h 53 min
